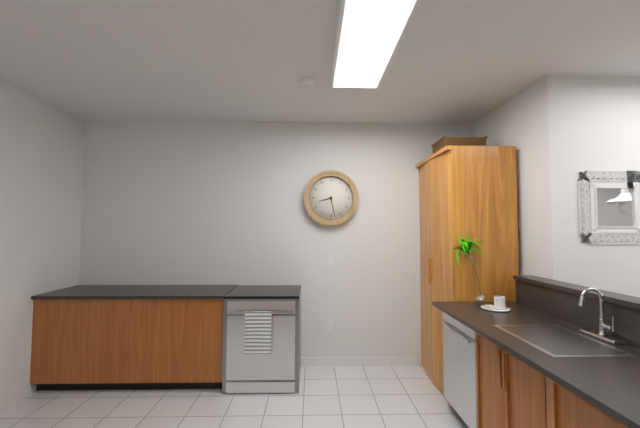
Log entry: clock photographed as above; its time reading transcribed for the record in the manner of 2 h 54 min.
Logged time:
8 h 28 min
